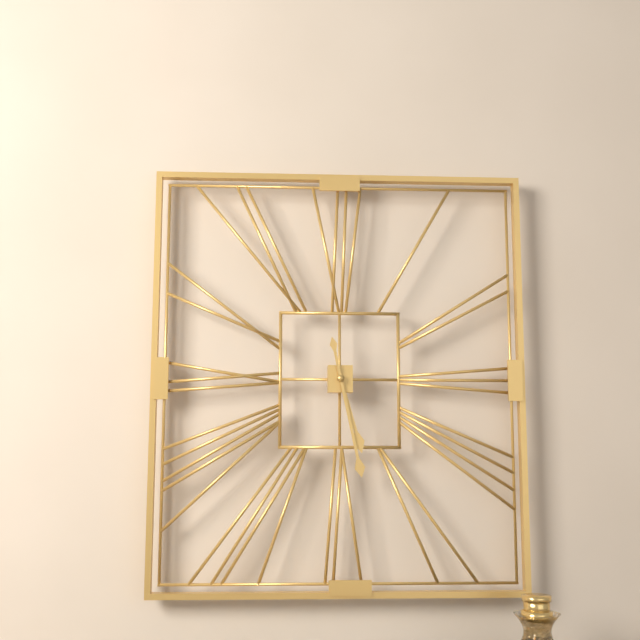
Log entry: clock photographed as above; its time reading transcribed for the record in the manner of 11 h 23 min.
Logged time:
5 h 28 min
